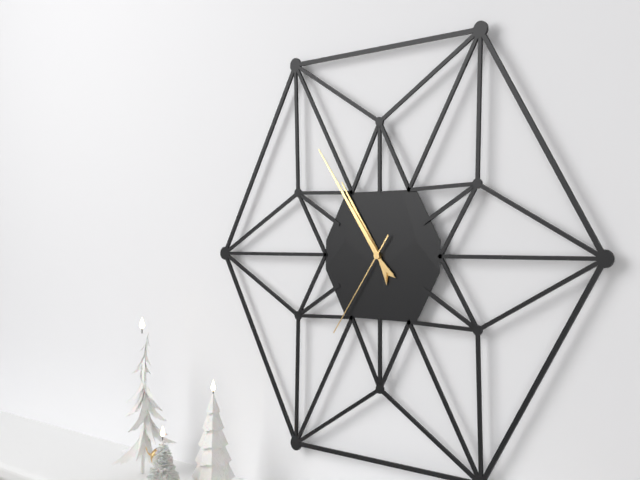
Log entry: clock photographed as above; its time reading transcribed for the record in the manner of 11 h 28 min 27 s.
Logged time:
10 h 54 min 36 s
